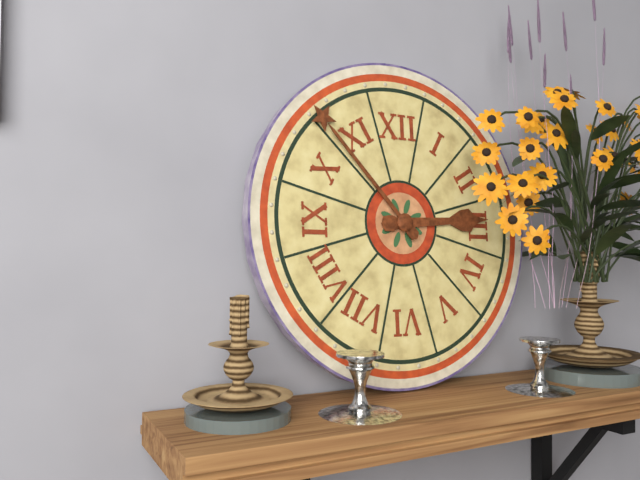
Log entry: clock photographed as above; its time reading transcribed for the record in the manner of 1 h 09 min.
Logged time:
2 h 53 min
